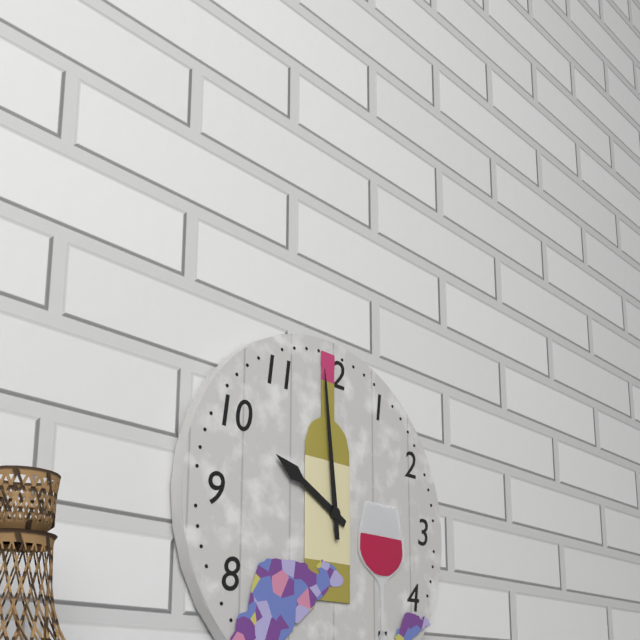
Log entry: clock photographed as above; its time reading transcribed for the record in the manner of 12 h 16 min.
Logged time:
9 h 59 min
